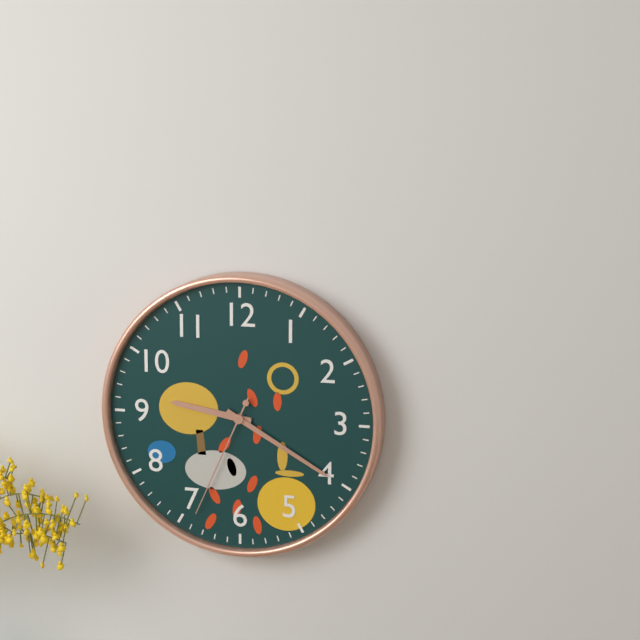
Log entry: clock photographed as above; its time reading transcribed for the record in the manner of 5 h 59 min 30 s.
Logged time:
9 h 20 min 34 s
